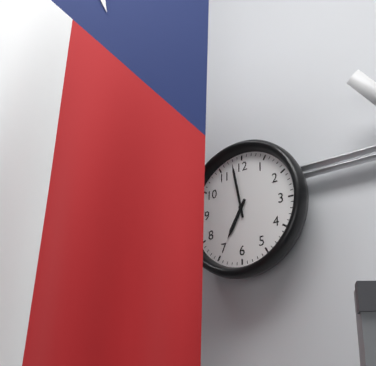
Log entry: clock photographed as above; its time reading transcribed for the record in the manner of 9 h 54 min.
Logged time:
6 h 58 min
